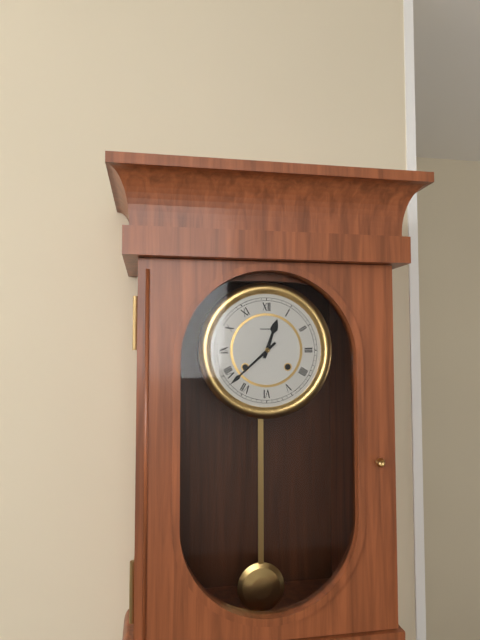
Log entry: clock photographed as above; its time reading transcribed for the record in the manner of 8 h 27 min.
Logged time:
12 h 38 min
